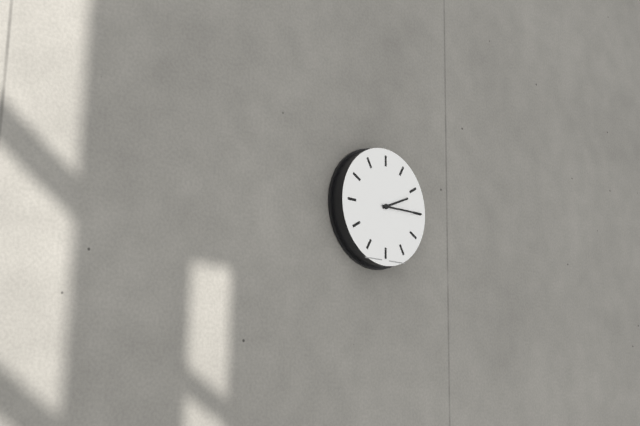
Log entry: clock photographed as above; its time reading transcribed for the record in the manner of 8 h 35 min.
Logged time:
2 h 15 min
